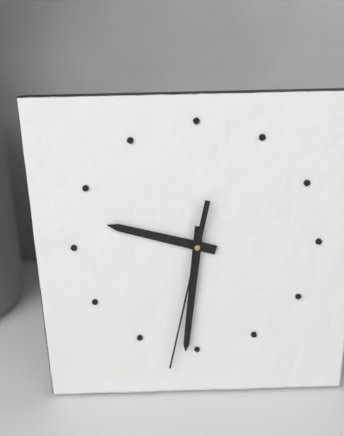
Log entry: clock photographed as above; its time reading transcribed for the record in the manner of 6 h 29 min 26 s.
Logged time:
9 h 31 min 32 s
